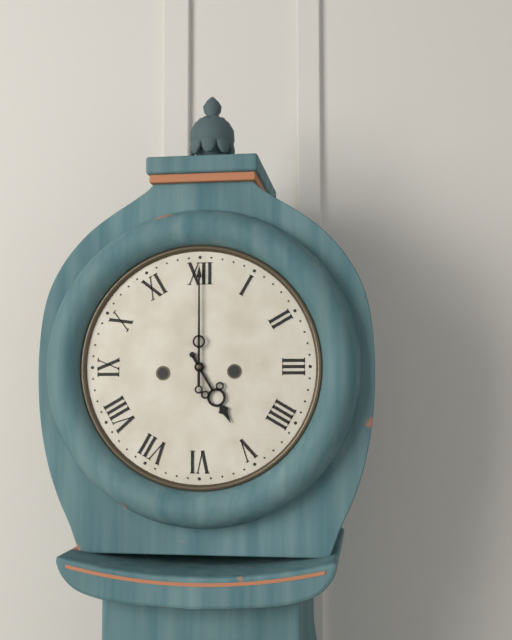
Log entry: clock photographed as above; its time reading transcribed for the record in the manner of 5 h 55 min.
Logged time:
5 h 00 min
